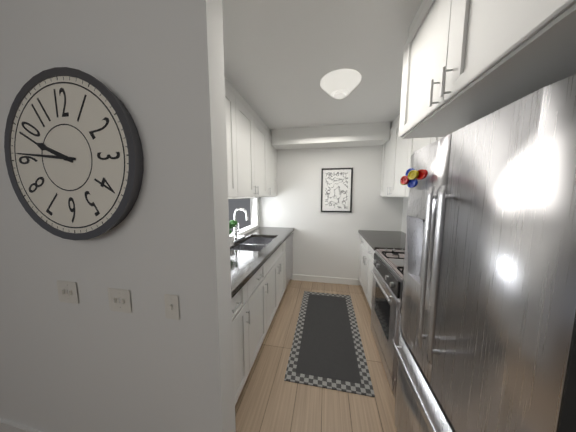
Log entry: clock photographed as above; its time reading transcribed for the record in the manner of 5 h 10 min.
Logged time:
9 h 46 min
